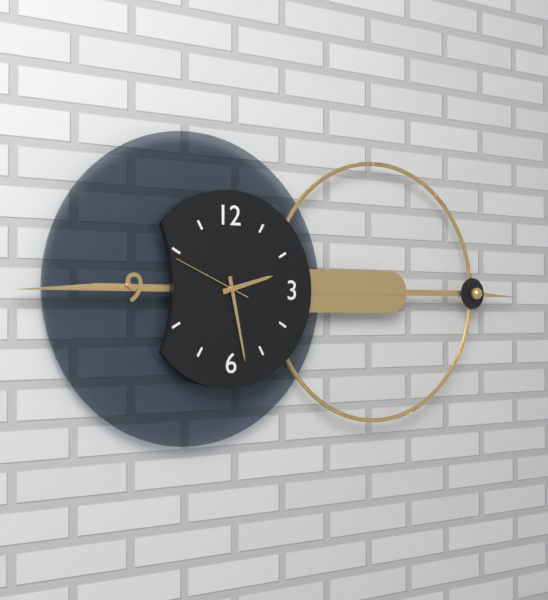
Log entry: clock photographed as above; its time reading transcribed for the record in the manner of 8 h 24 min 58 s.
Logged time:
2 h 28 min 49 s
